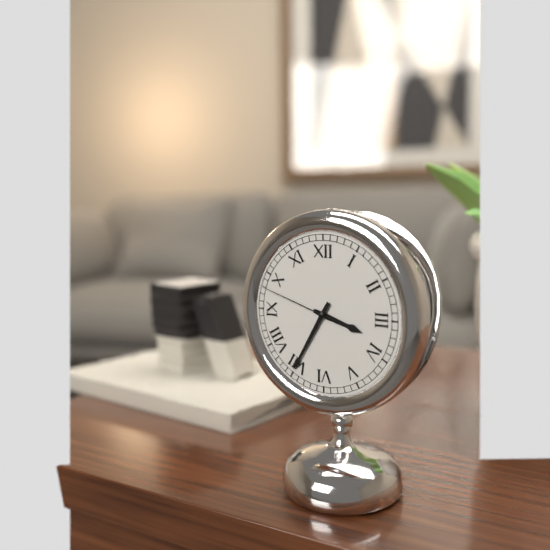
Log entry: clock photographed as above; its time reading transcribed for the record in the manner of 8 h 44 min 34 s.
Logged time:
3 h 35 min 48 s
